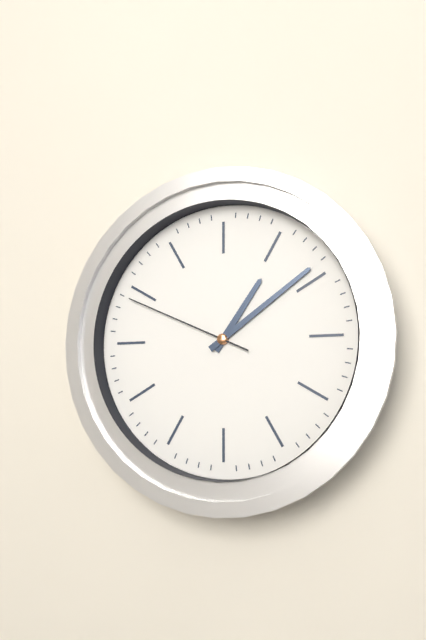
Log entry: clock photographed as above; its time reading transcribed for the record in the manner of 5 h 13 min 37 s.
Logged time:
1 h 09 min 49 s
